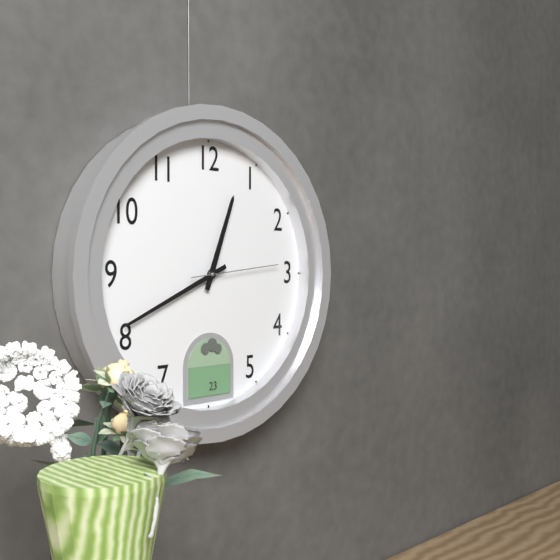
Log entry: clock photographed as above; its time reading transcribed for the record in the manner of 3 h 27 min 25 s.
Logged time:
12 h 41 min 14 s
